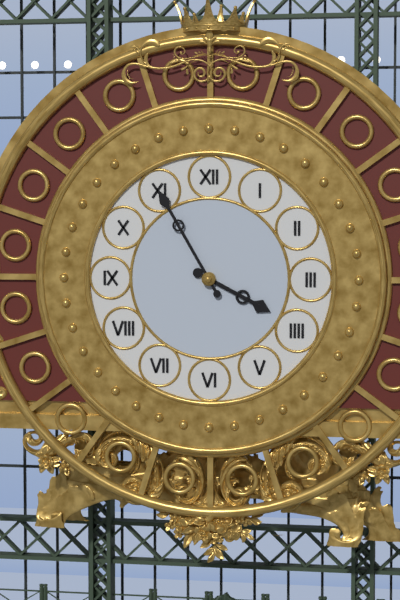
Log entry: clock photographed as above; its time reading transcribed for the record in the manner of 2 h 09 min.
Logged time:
3 h 55 min
